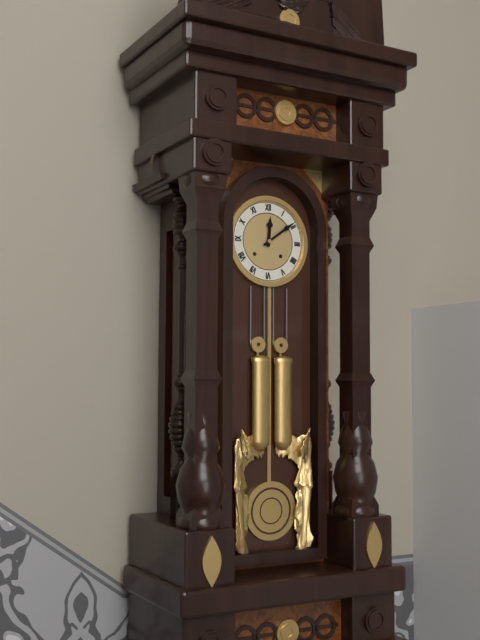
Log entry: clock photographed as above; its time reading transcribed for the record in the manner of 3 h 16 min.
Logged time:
12 h 09 min
